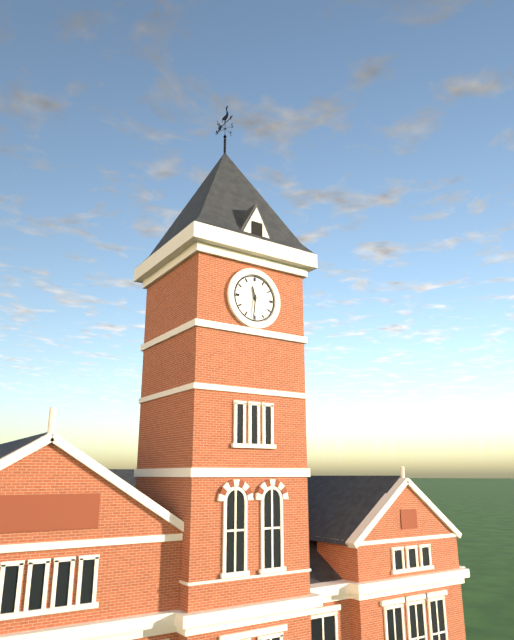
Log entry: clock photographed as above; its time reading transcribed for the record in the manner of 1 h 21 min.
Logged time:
11 h 31 min
